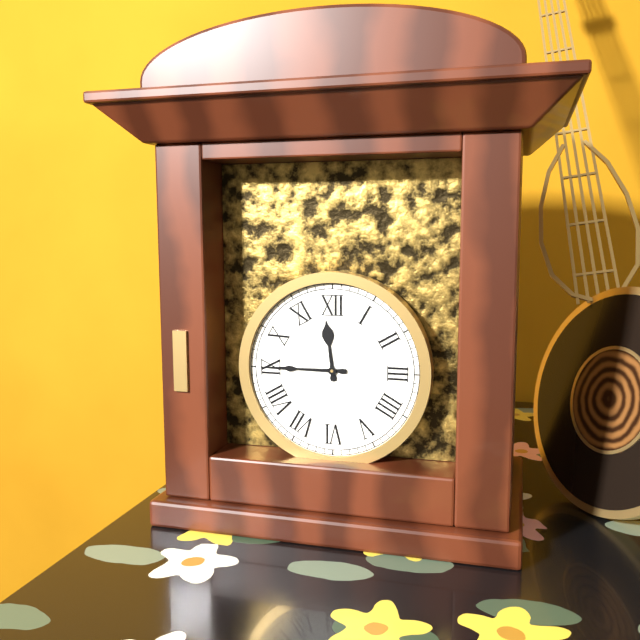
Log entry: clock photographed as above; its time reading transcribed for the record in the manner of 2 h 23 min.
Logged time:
11 h 45 min
